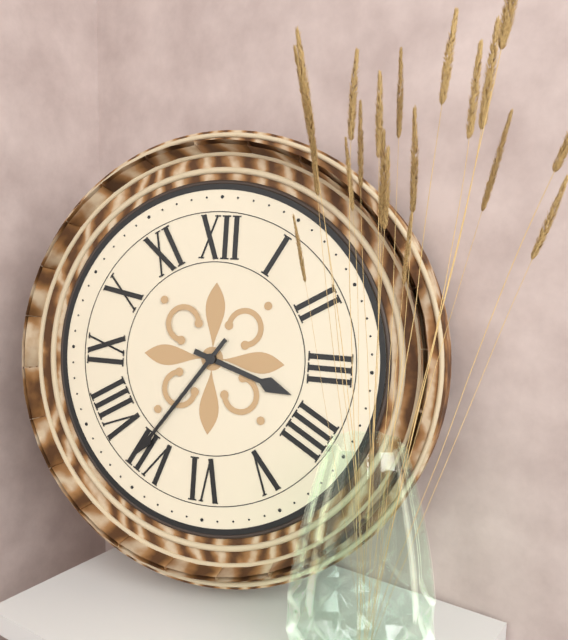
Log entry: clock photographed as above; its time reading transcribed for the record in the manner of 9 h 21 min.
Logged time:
3 h 36 min
